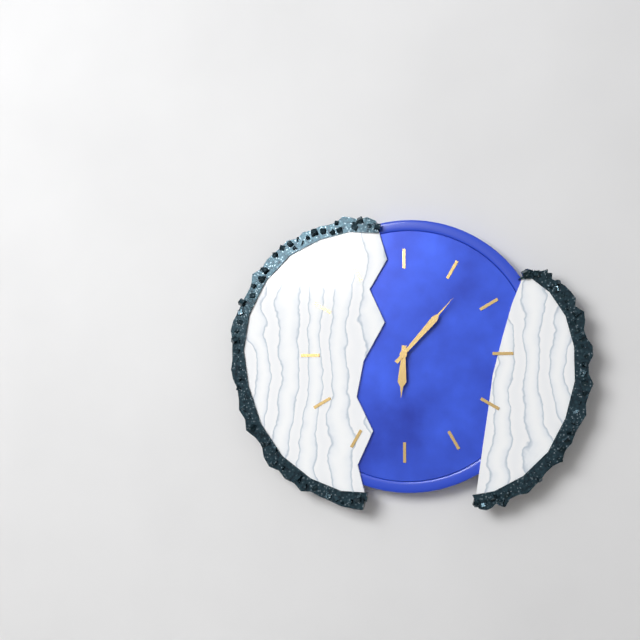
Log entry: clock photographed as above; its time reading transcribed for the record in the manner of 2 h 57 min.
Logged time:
6 h 07 min
